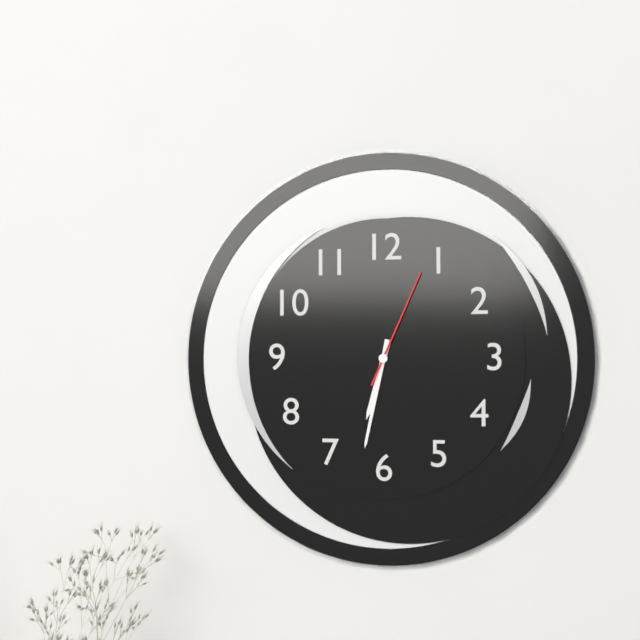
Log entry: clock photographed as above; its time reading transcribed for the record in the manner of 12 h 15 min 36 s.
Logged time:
6 h 32 min 04 s
